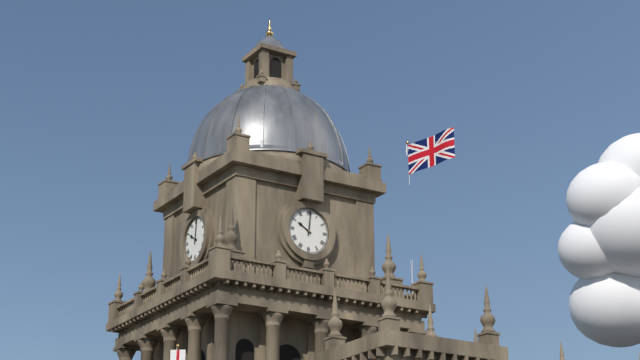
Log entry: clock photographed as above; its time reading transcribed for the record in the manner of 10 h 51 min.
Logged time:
10 h 01 min
